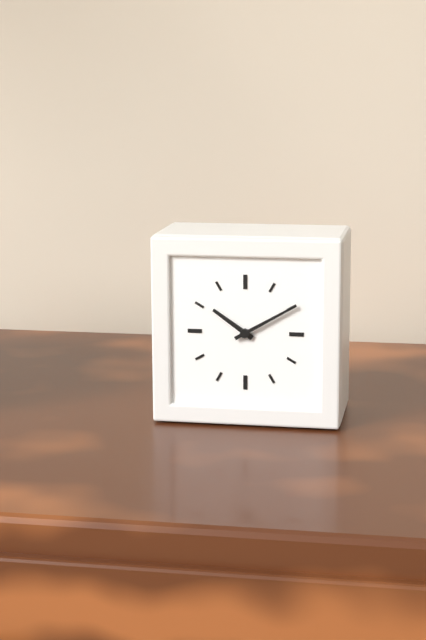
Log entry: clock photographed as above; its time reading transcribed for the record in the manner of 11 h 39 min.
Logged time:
10 h 10 min
